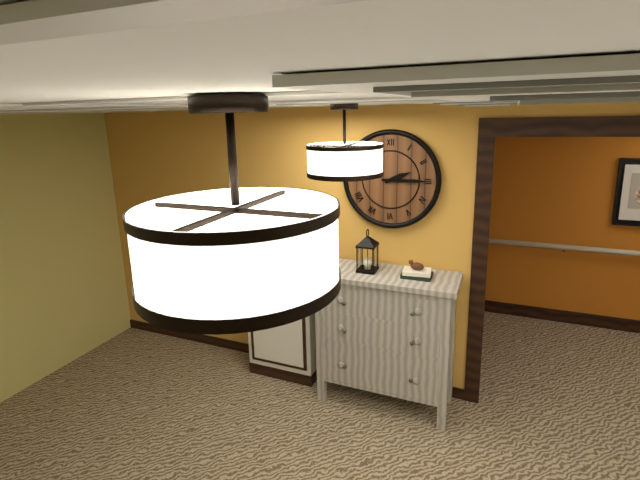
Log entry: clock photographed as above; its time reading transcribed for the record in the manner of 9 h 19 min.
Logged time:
2 h 15 min
